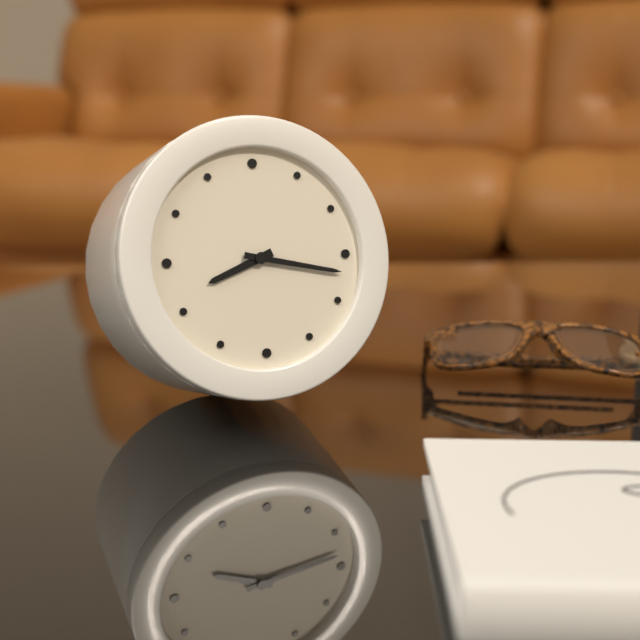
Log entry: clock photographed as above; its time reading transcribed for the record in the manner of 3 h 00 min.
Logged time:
8 h 17 min
